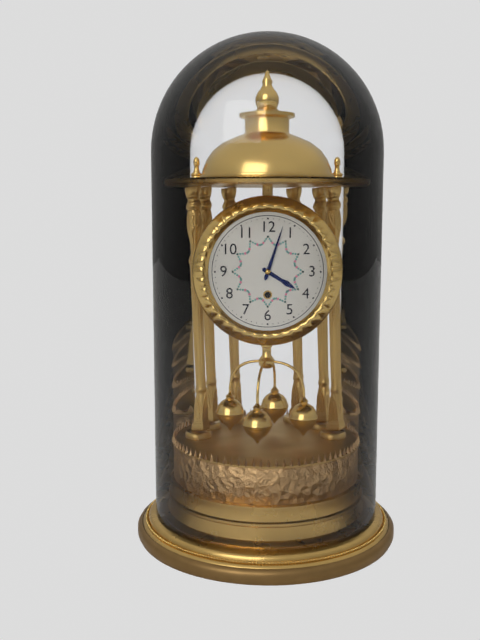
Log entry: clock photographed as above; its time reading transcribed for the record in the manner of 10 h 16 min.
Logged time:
4 h 03 min
